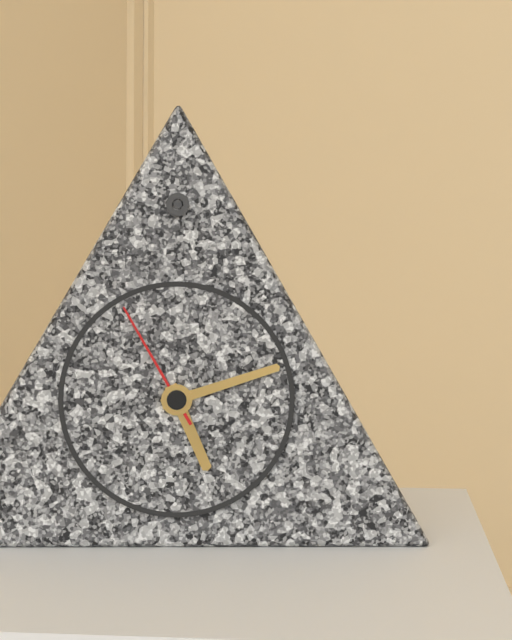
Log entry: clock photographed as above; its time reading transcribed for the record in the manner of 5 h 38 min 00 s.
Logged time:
5 h 12 min 55 s
